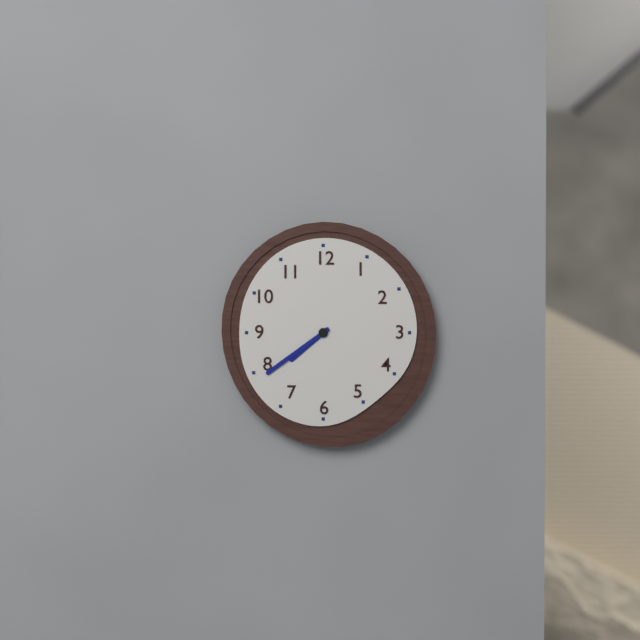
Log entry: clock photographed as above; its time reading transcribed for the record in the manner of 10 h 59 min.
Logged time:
7 h 39 min
